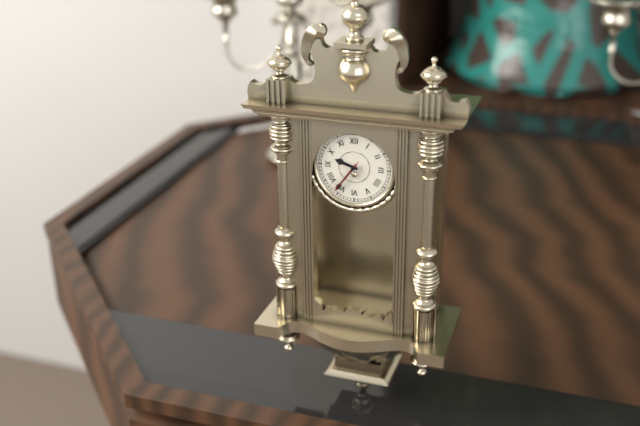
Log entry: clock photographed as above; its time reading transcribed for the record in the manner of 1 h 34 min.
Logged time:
9 h 36 min
